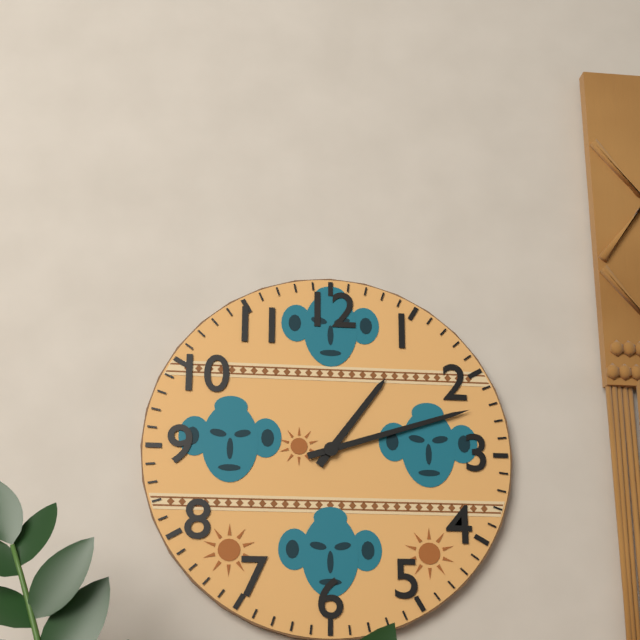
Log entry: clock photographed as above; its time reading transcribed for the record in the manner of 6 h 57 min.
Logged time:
1 h 12 min
